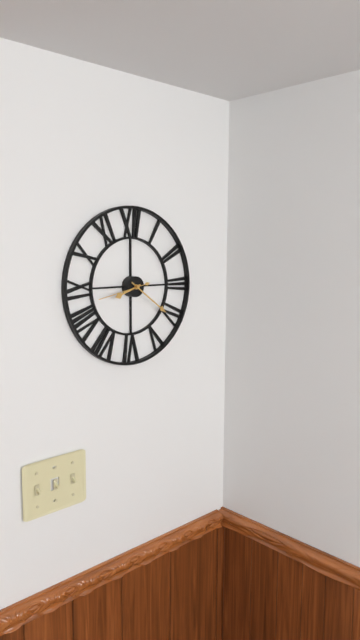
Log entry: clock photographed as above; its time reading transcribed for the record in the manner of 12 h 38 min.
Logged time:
8 h 21 min
